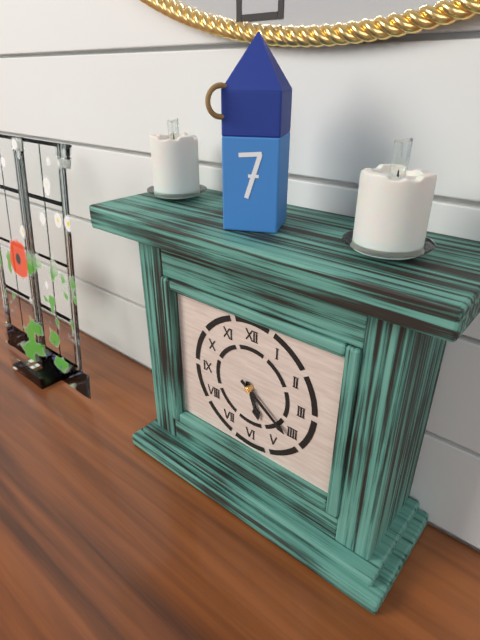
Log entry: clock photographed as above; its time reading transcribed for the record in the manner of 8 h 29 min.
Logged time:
5 h 21 min
